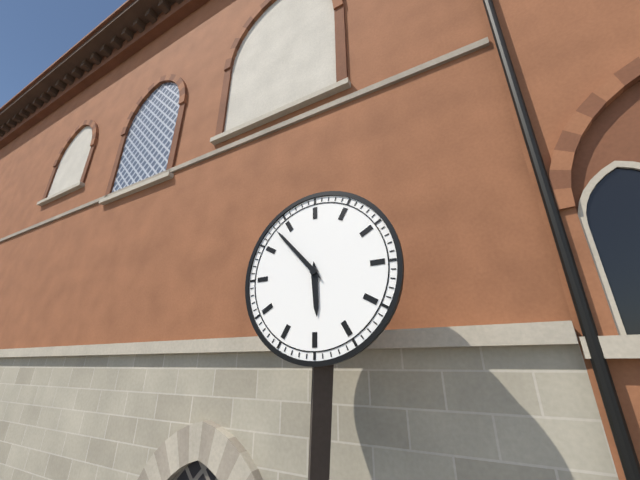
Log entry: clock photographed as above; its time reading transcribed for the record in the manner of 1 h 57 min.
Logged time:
5 h 53 min
